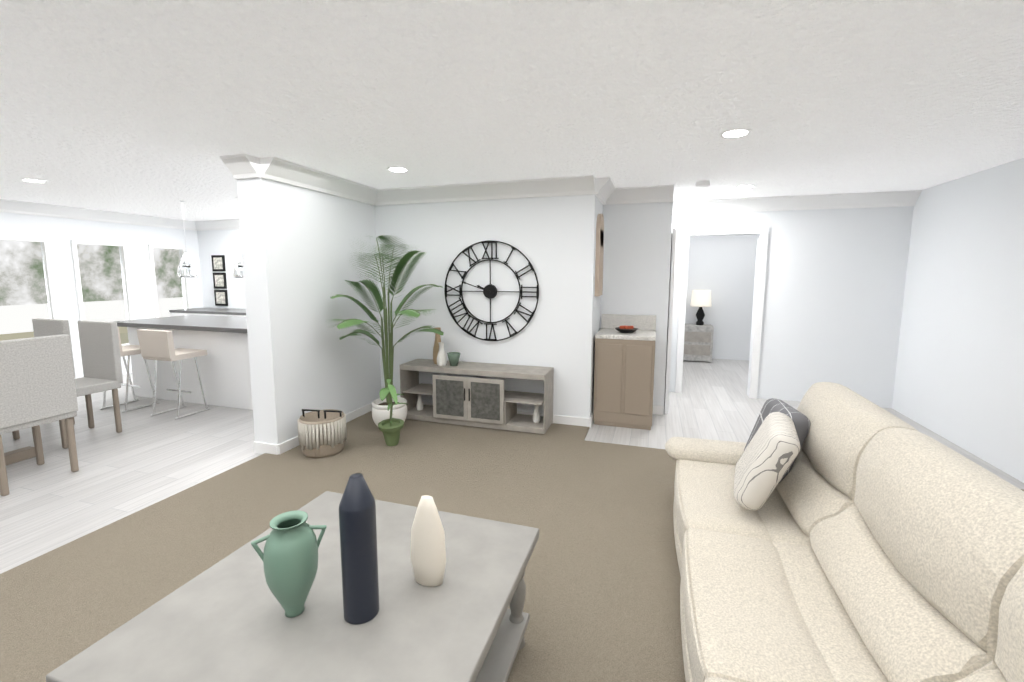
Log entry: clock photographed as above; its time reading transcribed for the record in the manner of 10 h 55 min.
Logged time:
9 h 48 min
